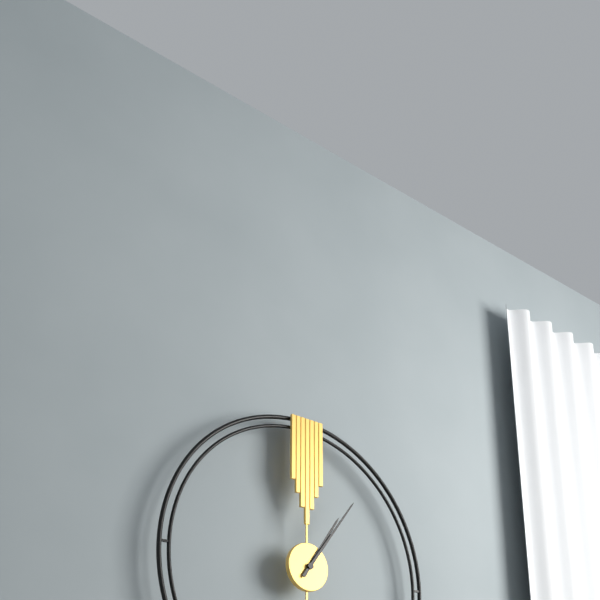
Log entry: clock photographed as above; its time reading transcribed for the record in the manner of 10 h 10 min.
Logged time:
1 h 06 min
